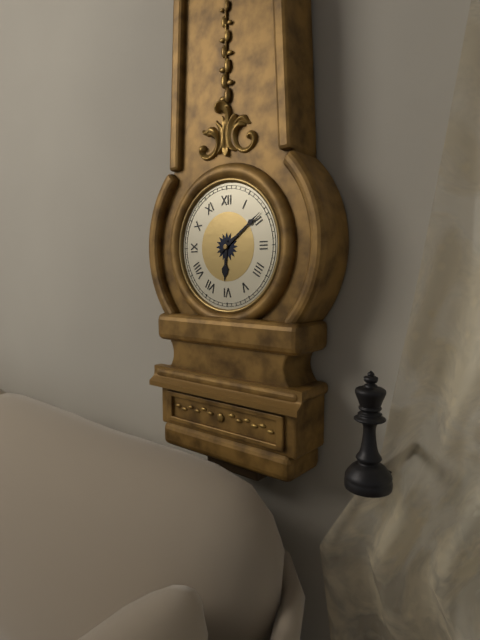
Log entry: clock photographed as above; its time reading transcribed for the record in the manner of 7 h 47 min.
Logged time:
6 h 09 min
